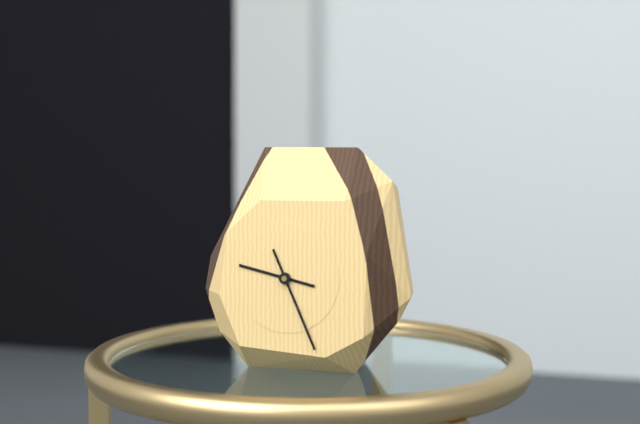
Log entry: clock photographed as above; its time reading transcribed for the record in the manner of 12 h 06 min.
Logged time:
9 h 26 min
